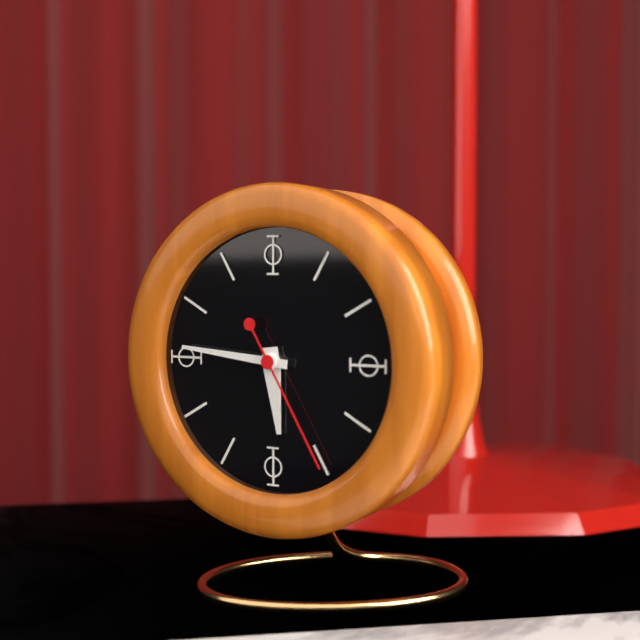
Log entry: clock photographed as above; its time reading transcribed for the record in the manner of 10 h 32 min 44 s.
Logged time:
5 h 46 min 25 s
